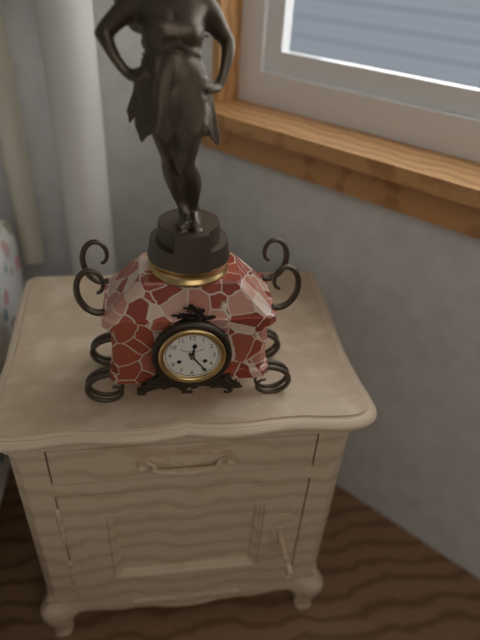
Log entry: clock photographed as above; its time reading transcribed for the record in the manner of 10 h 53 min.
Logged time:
12 h 24 min
